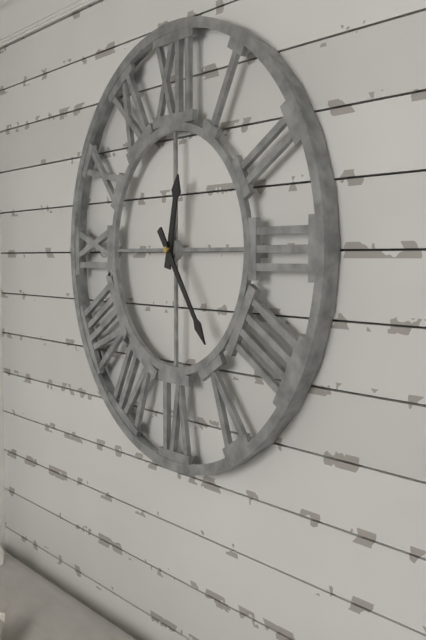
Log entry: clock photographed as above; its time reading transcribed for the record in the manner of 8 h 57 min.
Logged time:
12 h 24 min
